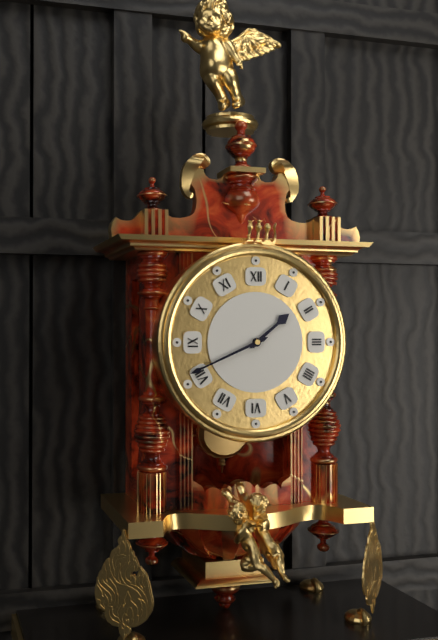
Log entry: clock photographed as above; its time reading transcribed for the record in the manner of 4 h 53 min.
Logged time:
1 h 41 min
